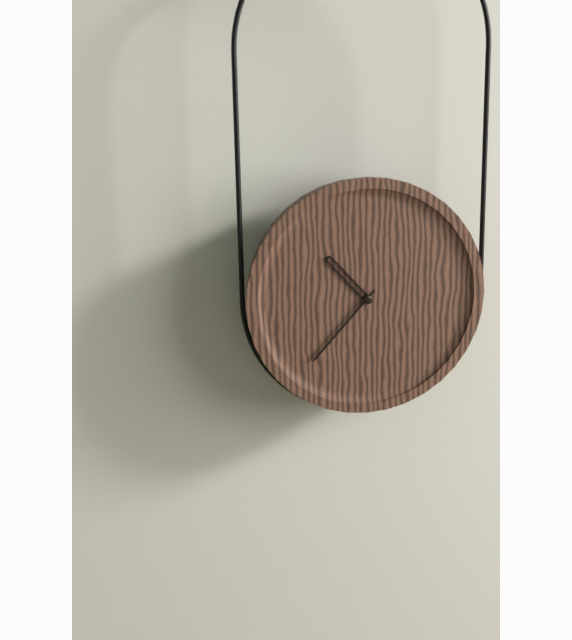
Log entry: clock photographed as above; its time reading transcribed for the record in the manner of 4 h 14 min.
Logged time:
10 h 37 min
